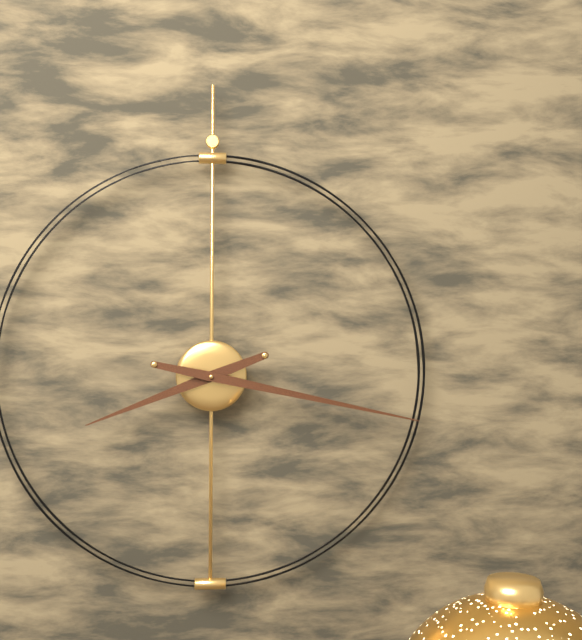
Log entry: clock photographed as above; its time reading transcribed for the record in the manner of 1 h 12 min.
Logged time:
8 h 17 min
